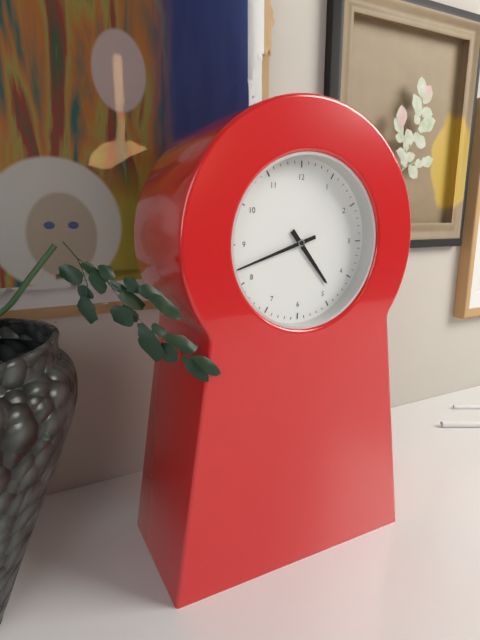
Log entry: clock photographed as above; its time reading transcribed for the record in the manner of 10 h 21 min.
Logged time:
4 h 42 min
